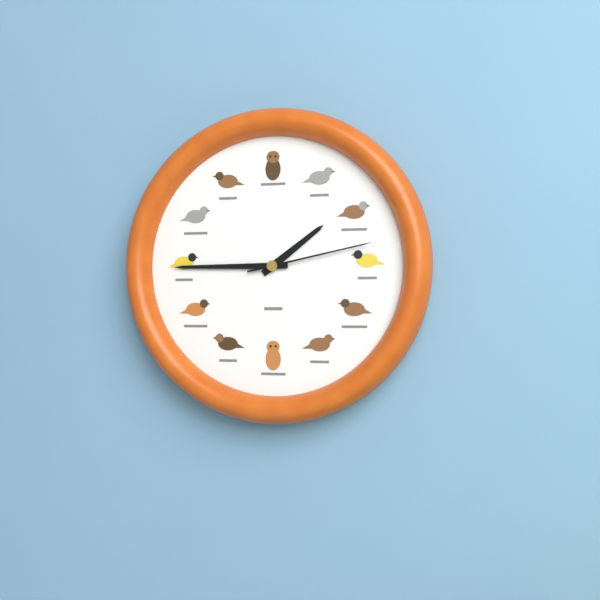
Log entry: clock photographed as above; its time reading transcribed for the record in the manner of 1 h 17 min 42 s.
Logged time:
1 h 45 min 13 s
